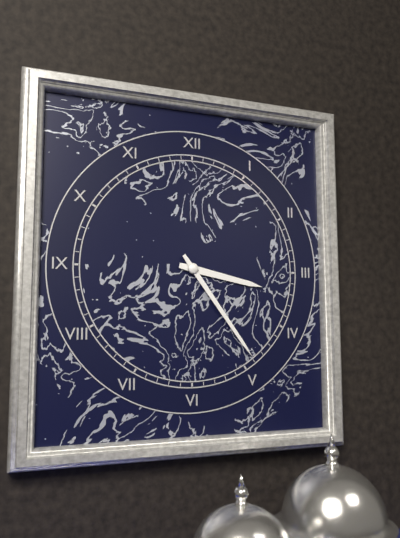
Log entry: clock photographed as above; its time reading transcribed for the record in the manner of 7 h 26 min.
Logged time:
3 h 24 min
